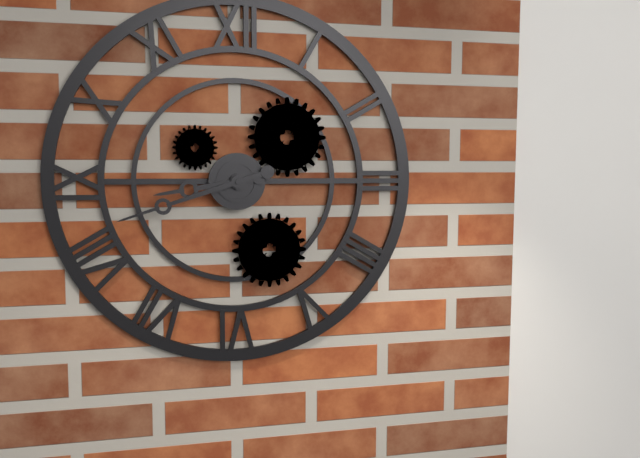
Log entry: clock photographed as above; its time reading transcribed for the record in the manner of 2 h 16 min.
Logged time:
8 h 42 min
